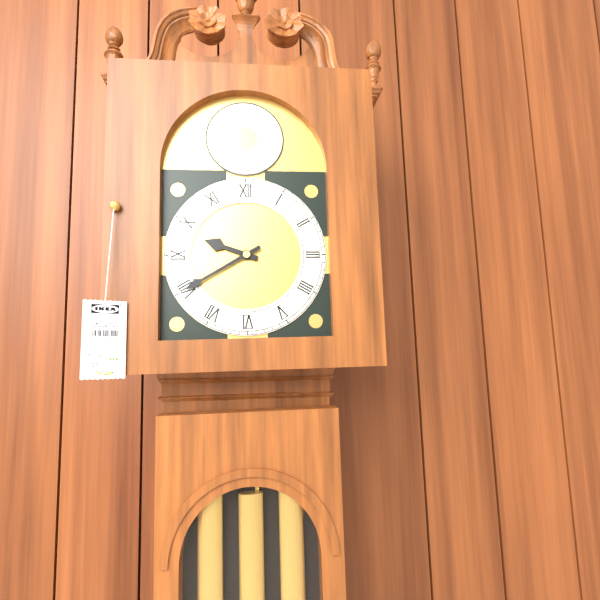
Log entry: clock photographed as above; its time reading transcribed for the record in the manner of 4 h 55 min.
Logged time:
9 h 40 min
